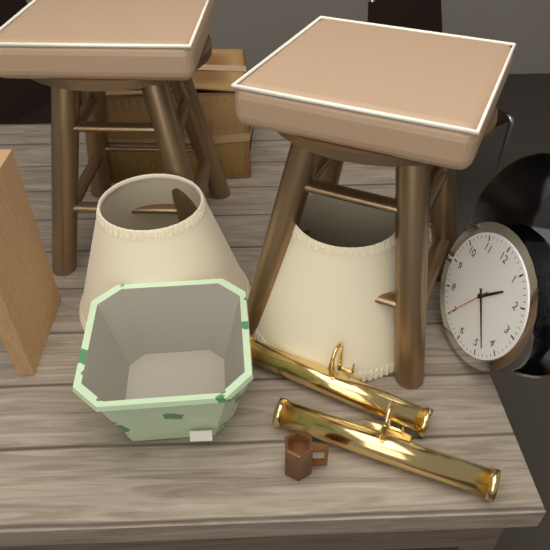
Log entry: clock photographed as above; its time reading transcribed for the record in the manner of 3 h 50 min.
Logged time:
1 h 23 min
